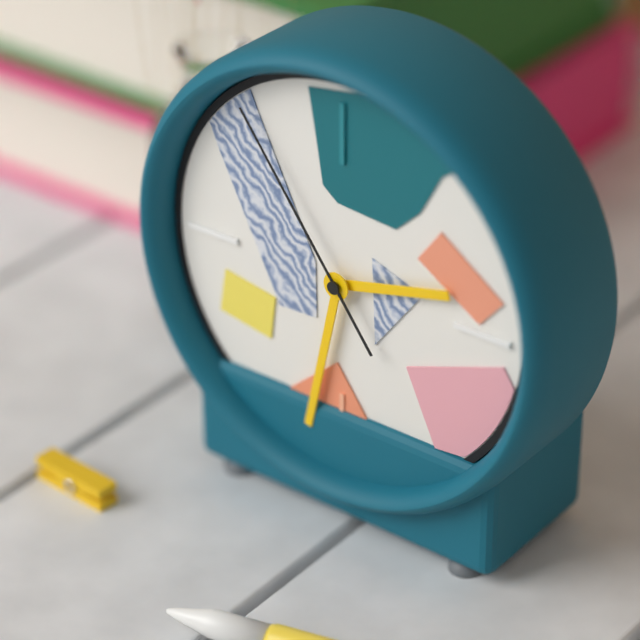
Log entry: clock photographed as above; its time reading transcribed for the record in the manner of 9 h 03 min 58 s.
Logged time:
2 h 32 min 54 s
